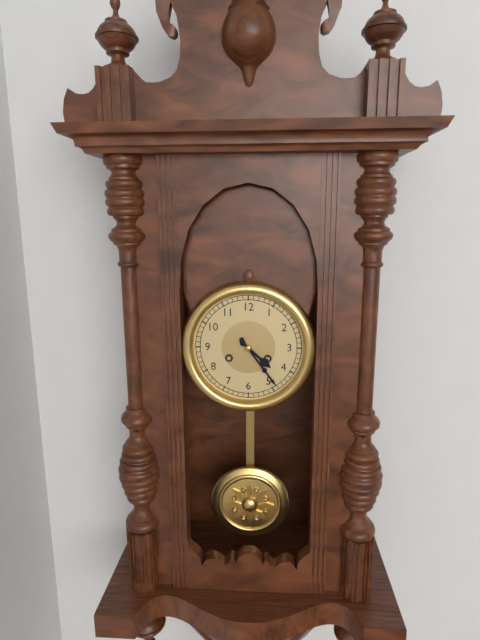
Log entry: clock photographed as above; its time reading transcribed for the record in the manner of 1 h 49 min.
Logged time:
4 h 24 min
